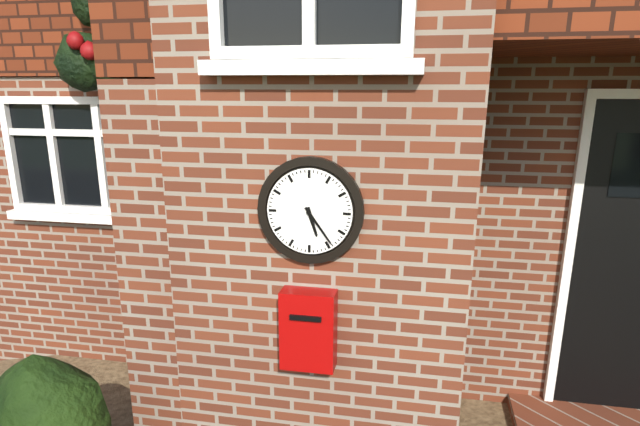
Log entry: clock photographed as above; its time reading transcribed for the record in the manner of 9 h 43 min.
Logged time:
5 h 24 min
